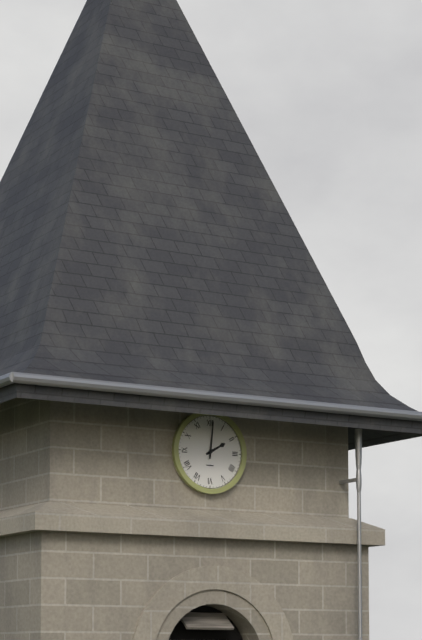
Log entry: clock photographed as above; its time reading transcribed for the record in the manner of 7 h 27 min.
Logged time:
2 h 01 min
